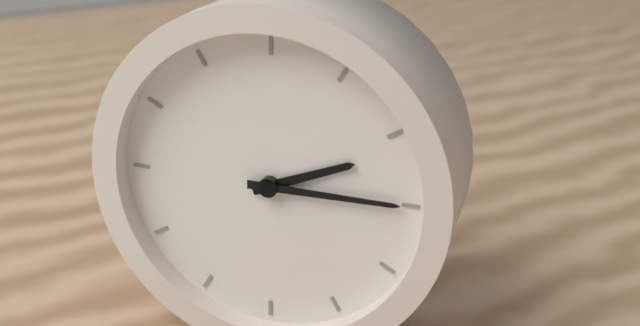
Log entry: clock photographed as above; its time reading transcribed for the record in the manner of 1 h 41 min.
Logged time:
2 h 15 min
